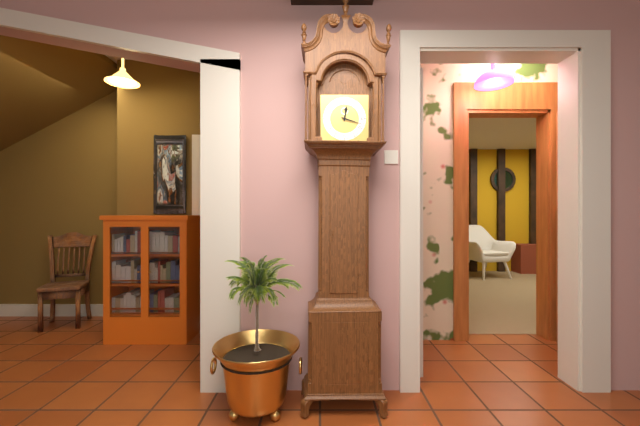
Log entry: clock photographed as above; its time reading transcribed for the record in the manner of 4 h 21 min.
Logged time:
12 h 18 min
